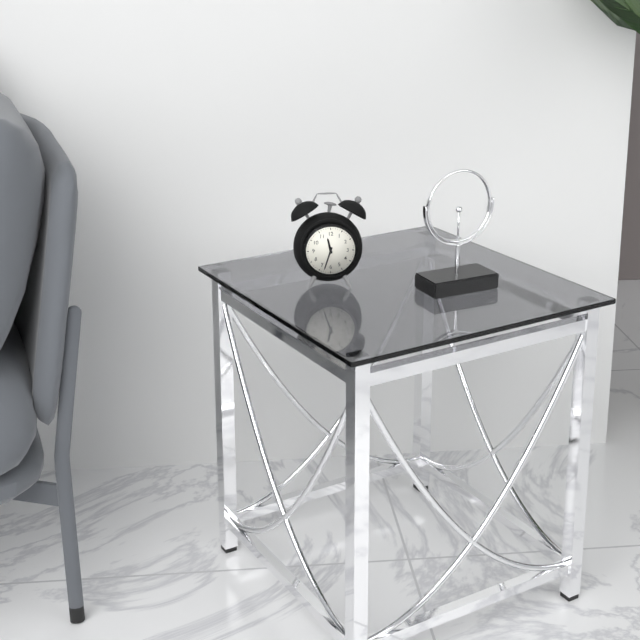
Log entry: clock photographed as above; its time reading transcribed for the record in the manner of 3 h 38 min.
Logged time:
11 h 33 min
